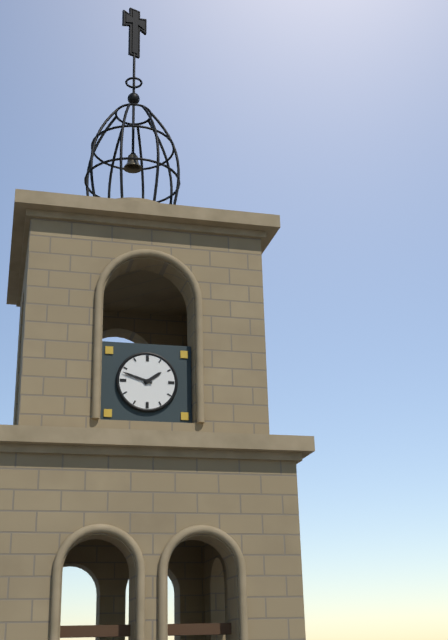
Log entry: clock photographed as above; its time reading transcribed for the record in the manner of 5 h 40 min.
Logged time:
1 h 48 min
